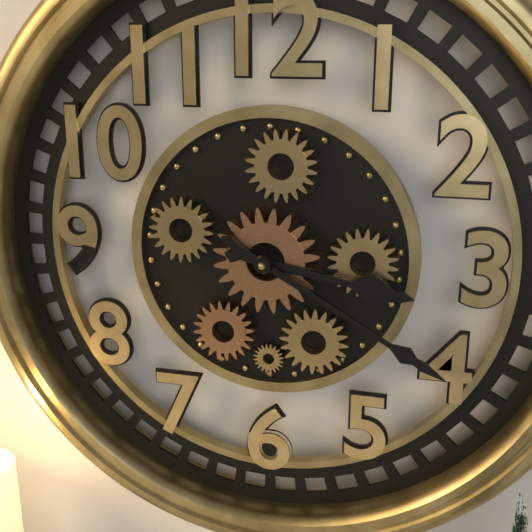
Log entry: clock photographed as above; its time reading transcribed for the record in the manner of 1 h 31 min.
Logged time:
3 h 20 min
